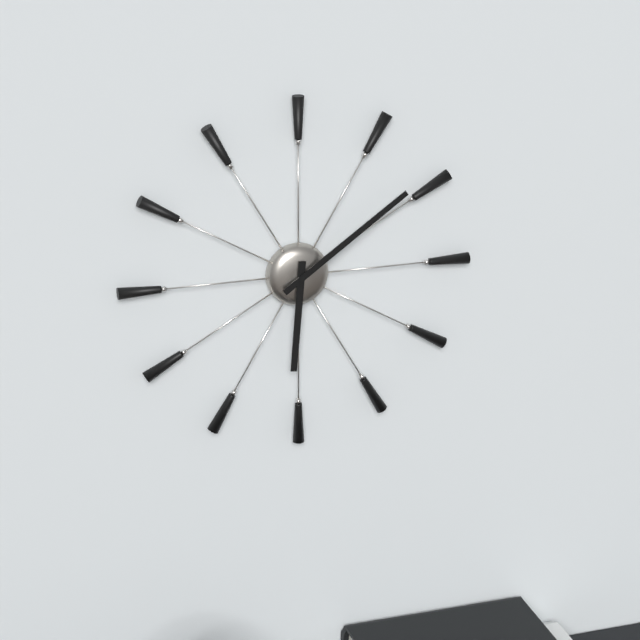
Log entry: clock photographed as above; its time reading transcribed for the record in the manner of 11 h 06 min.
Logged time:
6 h 09 min
